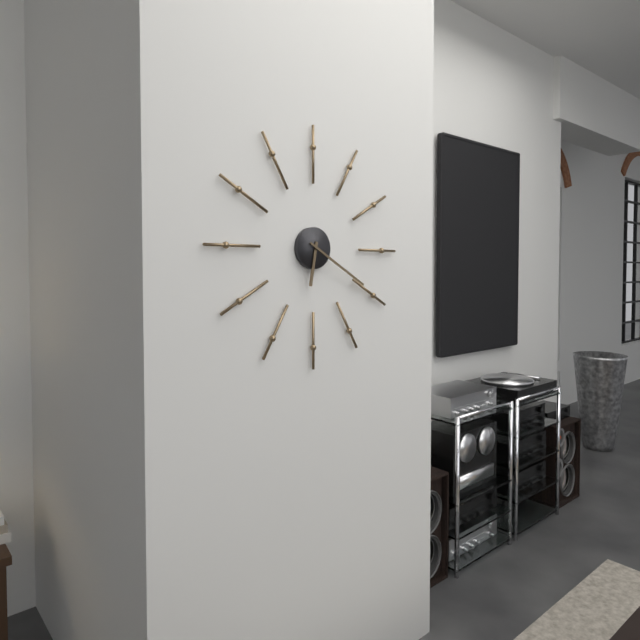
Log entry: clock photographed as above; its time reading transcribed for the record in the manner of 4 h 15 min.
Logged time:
6 h 20 min
